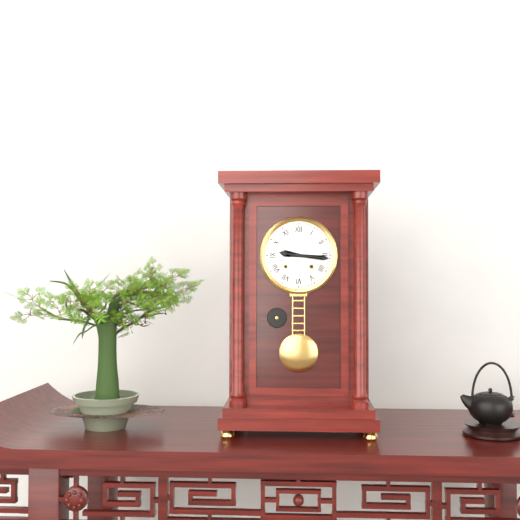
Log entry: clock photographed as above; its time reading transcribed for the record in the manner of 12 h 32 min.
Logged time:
9 h 16 min
